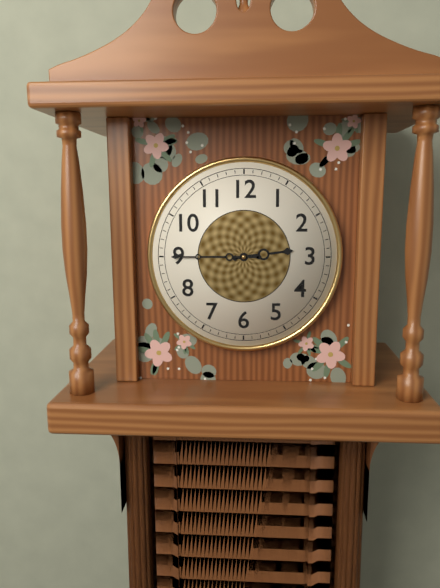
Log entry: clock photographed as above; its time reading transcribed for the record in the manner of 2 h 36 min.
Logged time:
2 h 45 min
